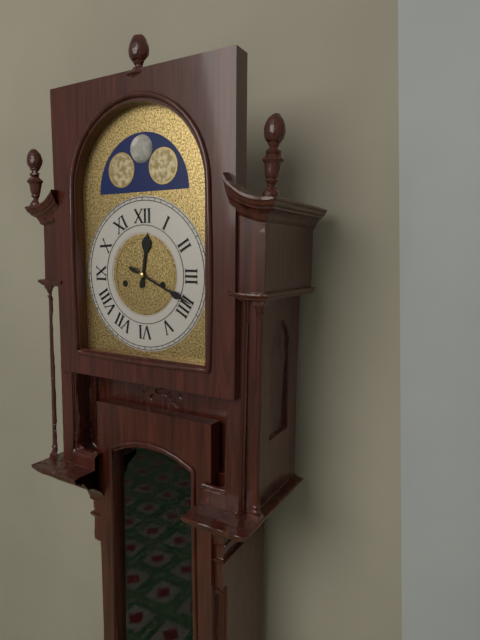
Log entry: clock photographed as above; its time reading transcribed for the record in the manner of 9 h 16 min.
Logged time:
12 h 19 min
